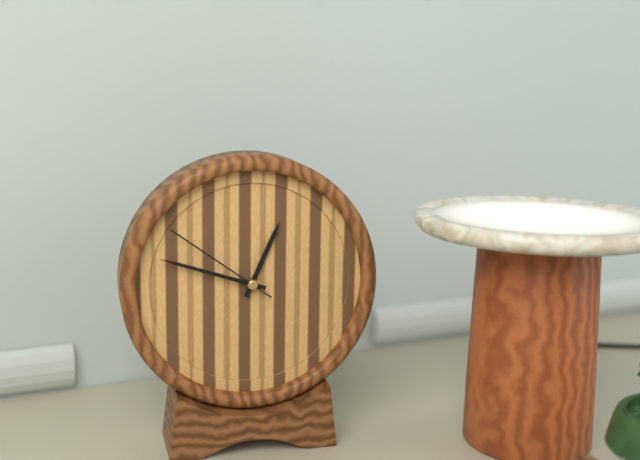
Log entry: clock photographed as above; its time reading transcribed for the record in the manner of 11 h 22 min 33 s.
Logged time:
12 h 48 min 51 s
